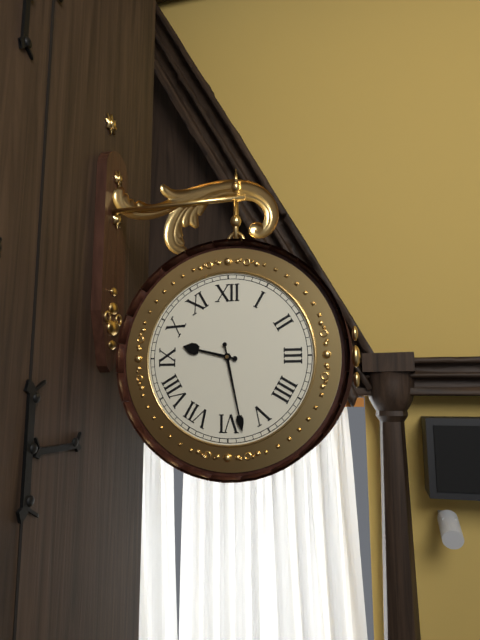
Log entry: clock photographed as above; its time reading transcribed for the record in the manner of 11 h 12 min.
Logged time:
9 h 28 min
